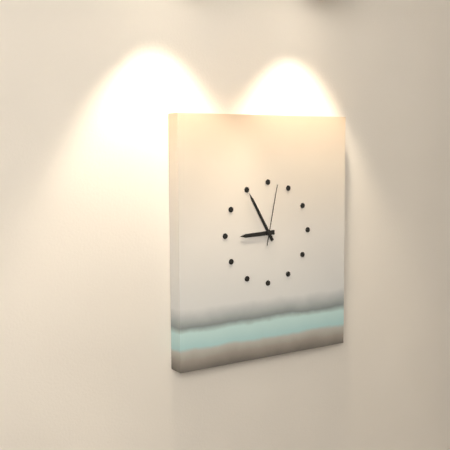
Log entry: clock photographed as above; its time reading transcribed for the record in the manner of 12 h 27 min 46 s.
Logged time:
8 h 55 min 02 s
